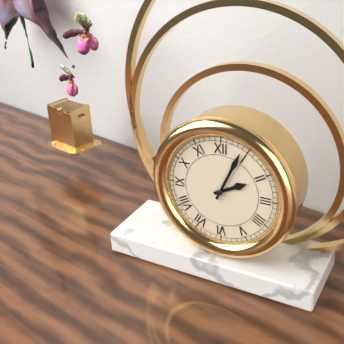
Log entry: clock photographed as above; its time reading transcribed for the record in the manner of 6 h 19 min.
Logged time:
2 h 04 min
